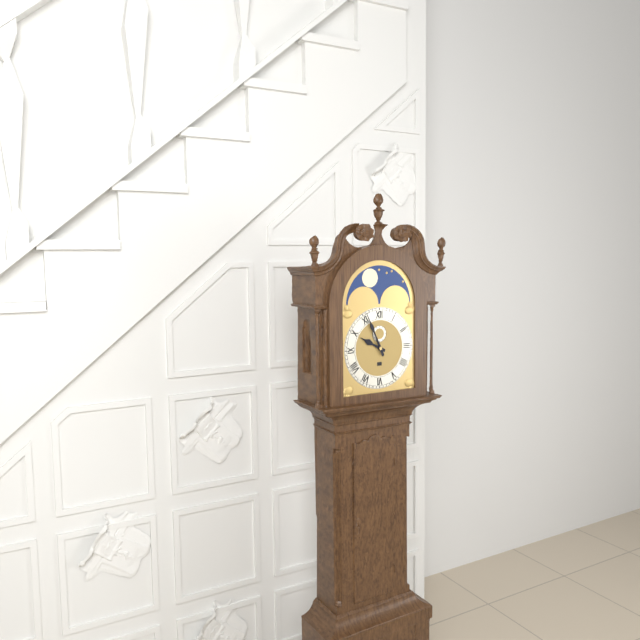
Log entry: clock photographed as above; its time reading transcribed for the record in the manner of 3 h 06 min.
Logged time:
9 h 56 min
